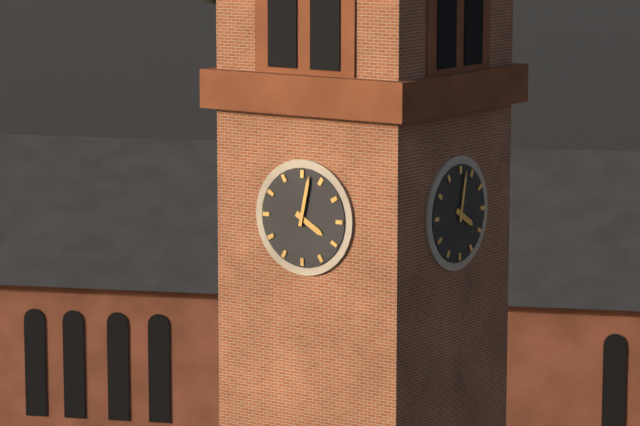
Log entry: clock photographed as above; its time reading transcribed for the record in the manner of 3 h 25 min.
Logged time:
4 h 02 min
